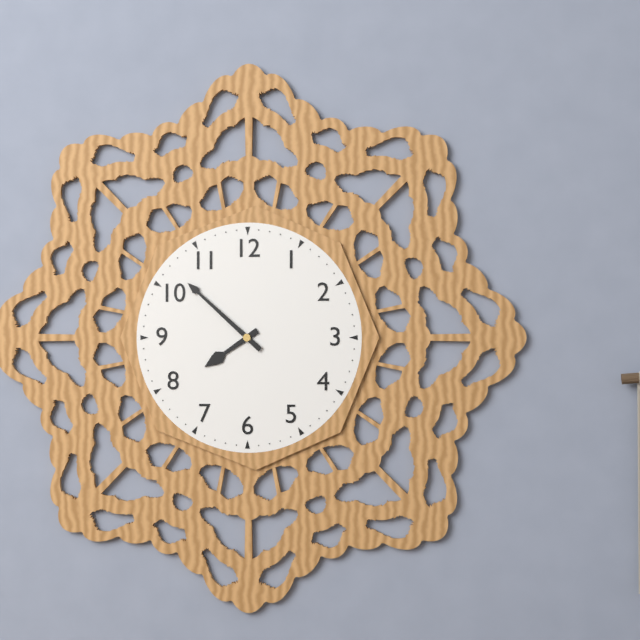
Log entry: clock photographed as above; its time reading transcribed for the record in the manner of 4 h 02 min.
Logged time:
7 h 52 min
